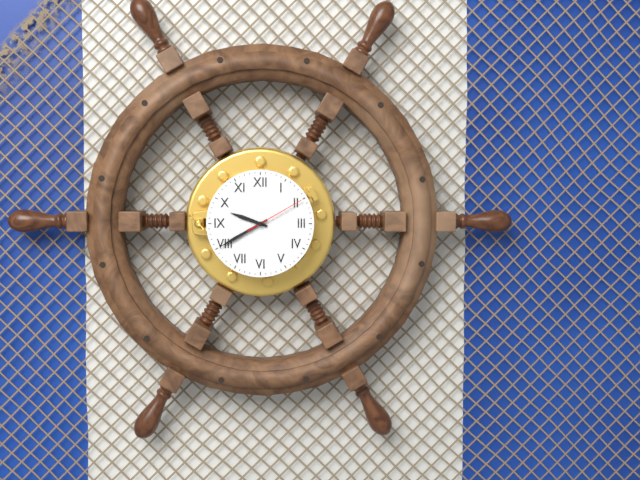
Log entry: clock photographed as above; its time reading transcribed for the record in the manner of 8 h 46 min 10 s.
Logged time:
9 h 40 min 10 s
